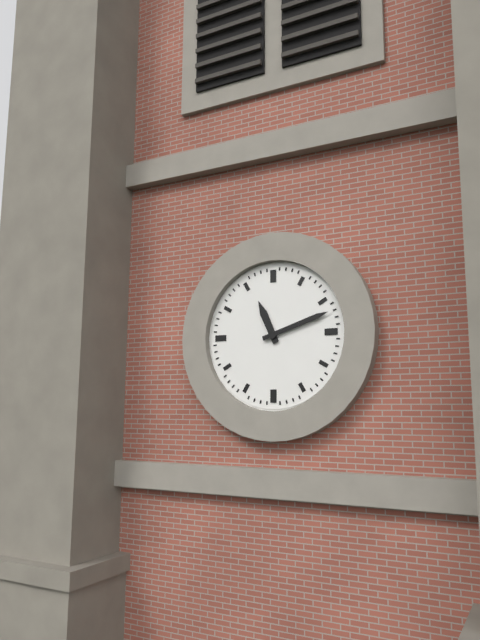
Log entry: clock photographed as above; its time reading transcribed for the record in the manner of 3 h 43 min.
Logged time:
11 h 12 min
